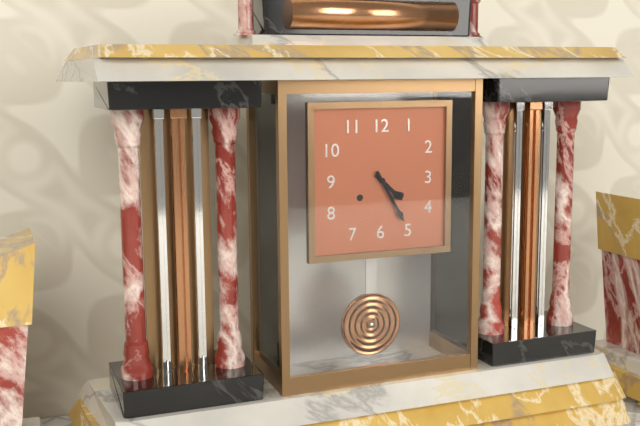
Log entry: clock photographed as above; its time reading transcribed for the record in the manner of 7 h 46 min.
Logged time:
4 h 25 min
